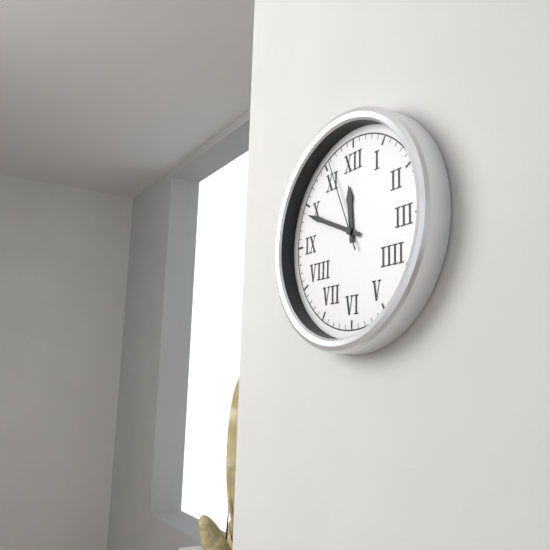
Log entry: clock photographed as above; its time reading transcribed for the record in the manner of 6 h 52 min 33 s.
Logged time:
11 h 49 min 56 s
